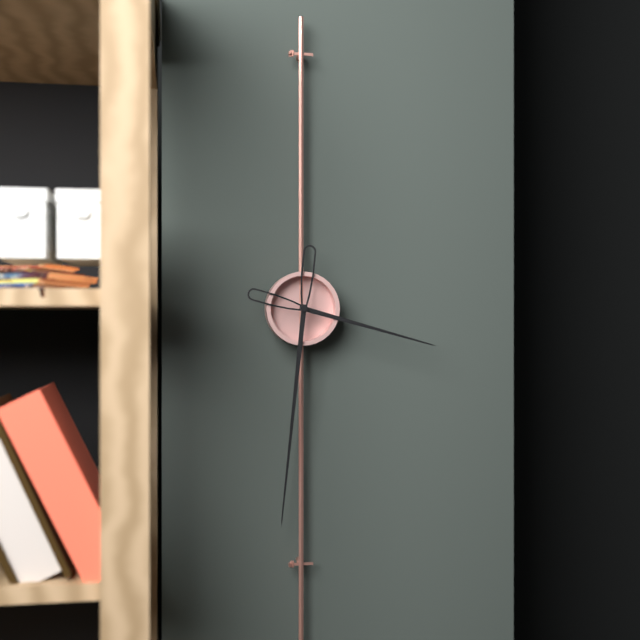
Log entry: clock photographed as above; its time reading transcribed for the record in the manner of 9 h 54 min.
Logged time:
3 h 31 min
